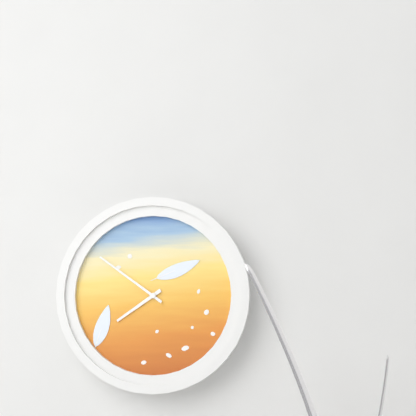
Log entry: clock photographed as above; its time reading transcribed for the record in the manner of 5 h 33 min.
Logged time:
7 h 51 min
